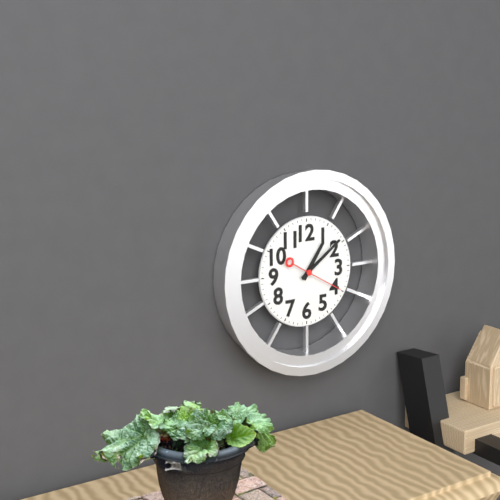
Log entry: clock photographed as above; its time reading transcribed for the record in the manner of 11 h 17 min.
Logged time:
1 h 09 min
